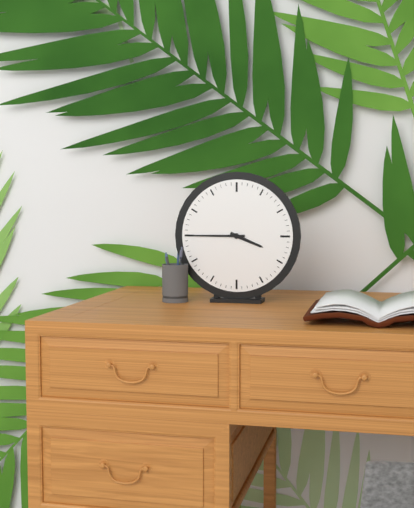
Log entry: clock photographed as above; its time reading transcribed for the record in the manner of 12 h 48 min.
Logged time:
3 h 45 min
